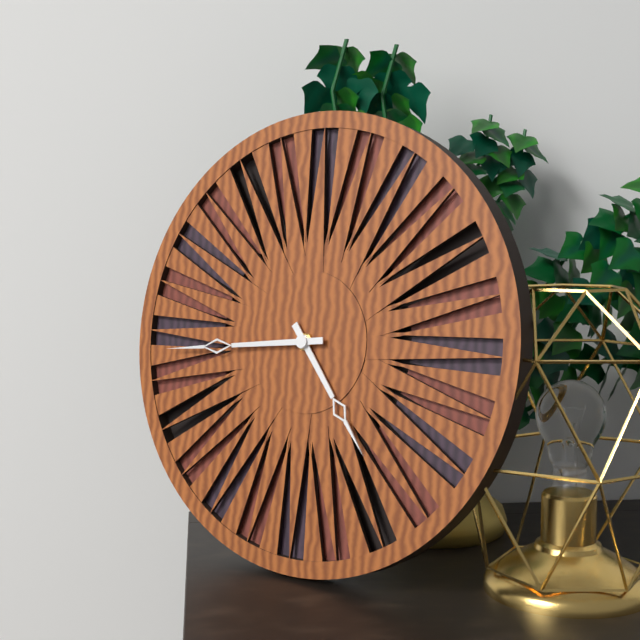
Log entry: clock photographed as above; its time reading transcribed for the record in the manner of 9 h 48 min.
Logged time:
4 h 44 min
